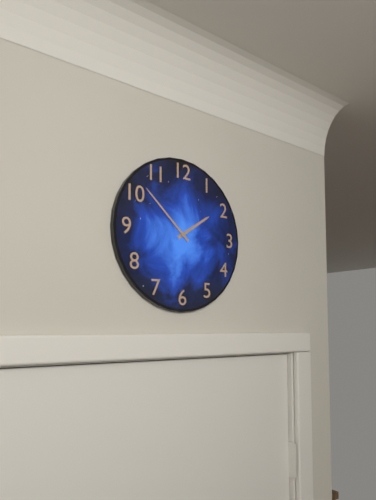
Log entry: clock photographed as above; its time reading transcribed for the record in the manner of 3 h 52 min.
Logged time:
1 h 52 min
